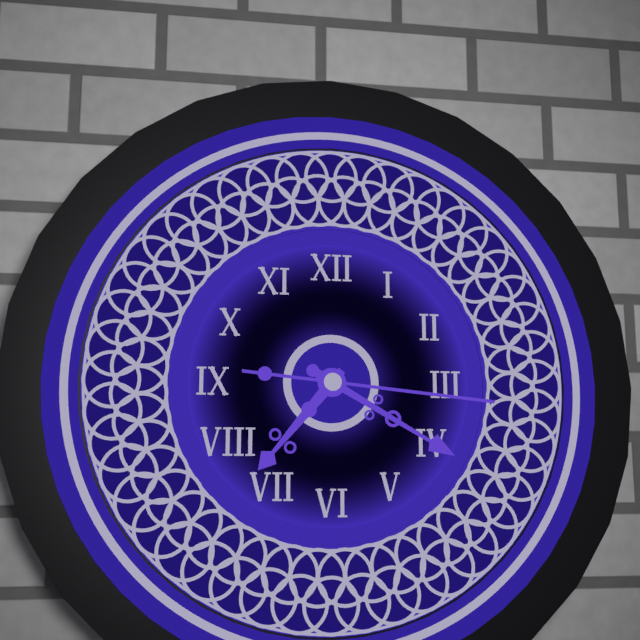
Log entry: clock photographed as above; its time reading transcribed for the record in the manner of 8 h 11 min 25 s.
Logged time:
7 h 20 min 16 s
